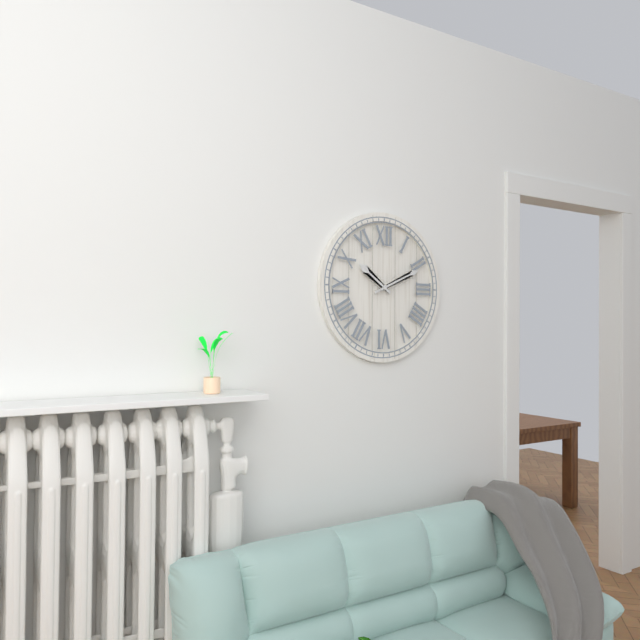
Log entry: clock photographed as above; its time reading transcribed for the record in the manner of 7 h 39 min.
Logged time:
10 h 11 min
